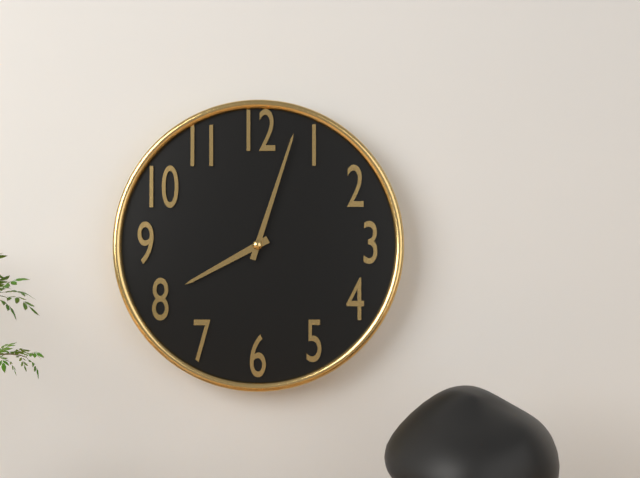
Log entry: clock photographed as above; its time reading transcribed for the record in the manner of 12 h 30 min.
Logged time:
8 h 03 min
